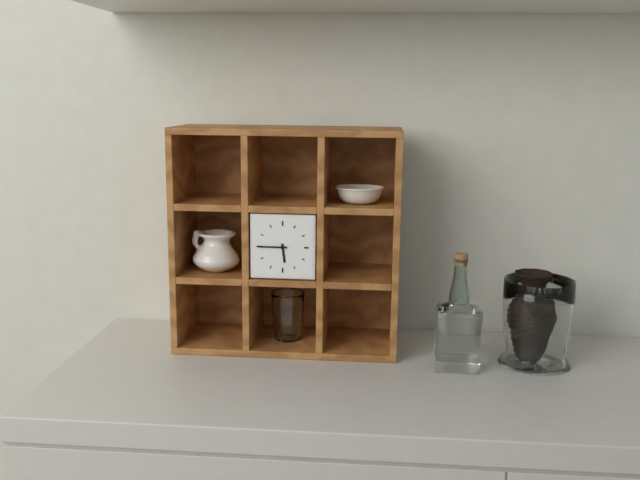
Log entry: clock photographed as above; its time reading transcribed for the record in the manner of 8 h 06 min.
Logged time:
5 h 45 min
